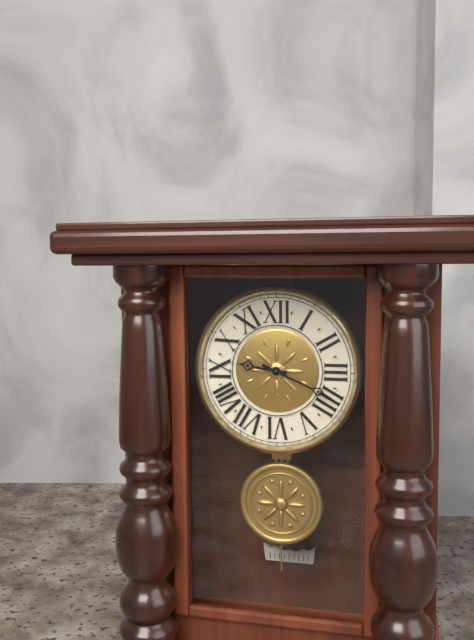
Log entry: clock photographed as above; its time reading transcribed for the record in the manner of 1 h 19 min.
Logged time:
9 h 19 min
